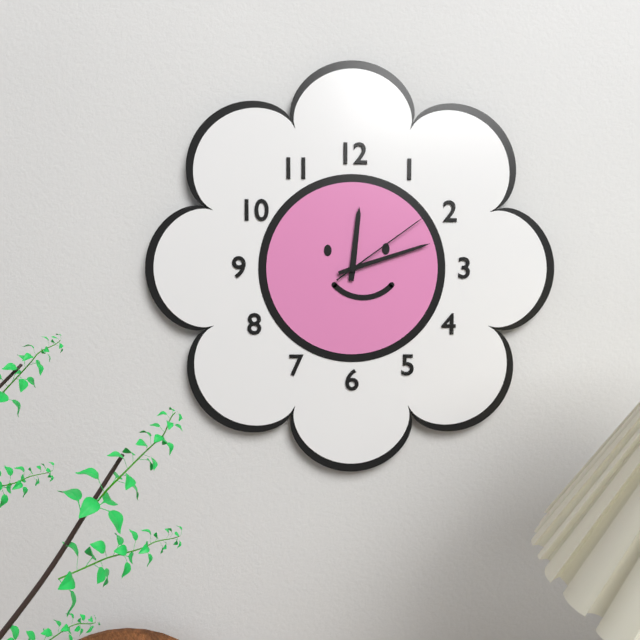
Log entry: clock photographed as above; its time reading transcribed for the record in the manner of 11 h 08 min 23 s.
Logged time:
12 h 12 min 09 s
